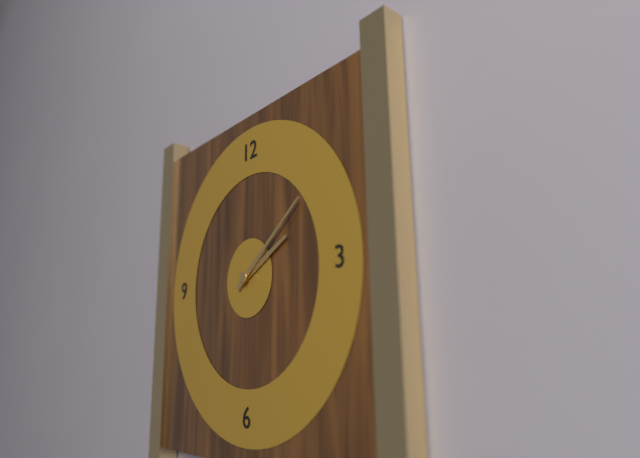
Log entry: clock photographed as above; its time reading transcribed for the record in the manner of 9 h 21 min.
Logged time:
2 h 09 min
